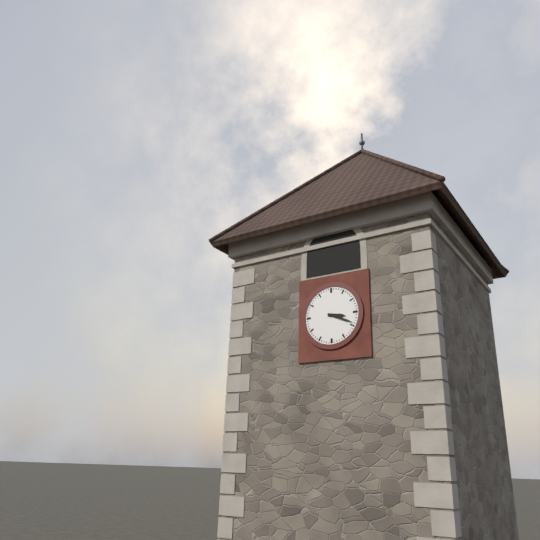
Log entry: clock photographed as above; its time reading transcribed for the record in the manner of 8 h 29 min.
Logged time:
3 h 19 min
